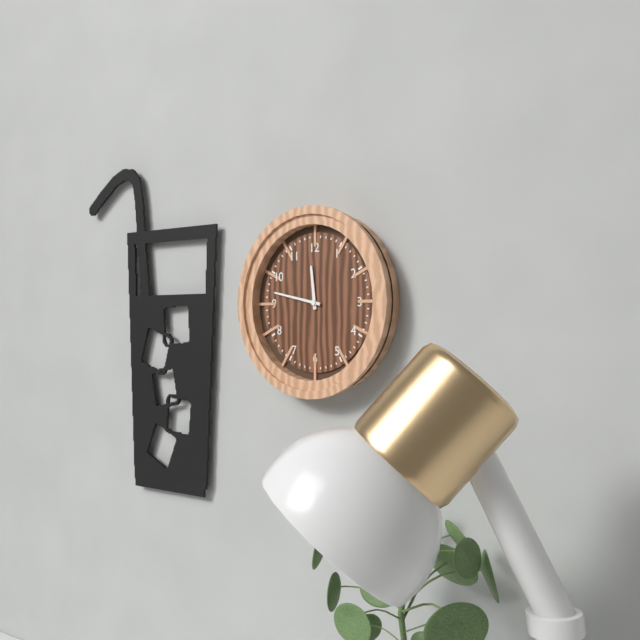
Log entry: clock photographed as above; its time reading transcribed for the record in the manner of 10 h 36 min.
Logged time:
11 h 47 min
